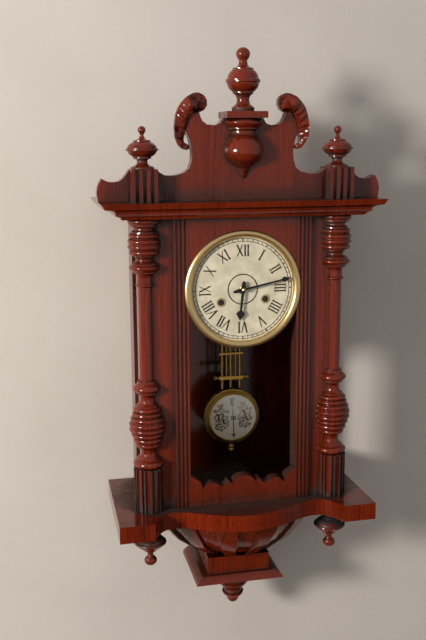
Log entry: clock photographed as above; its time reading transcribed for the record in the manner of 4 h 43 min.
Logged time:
6 h 13 min
